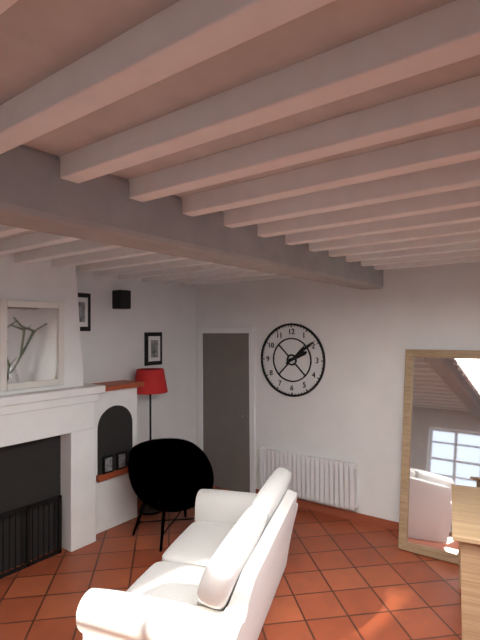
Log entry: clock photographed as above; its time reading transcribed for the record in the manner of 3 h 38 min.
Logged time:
2 h 09 min
